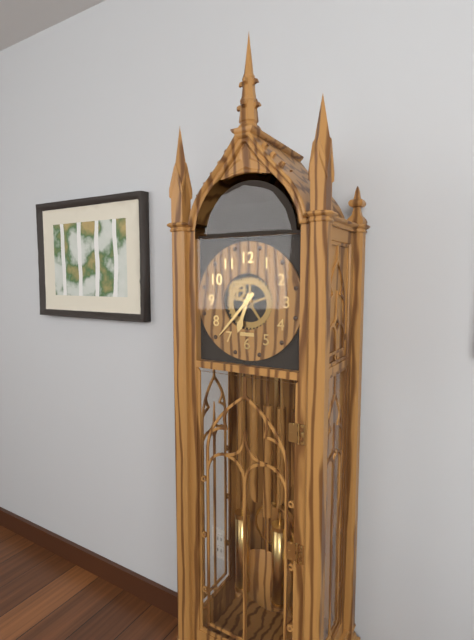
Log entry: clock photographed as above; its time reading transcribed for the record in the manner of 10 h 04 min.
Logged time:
6 h 37 min
